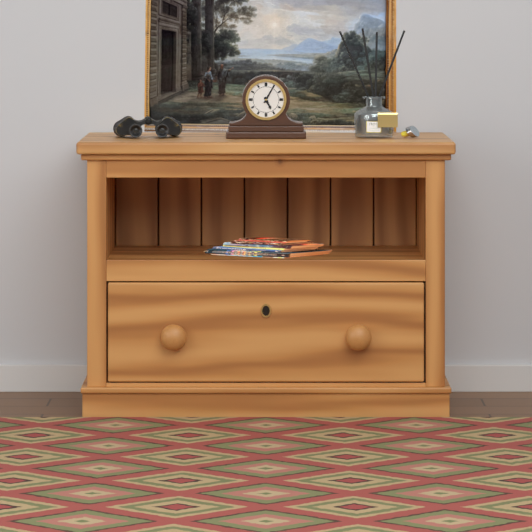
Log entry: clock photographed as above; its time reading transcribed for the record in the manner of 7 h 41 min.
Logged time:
5 h 05 min
